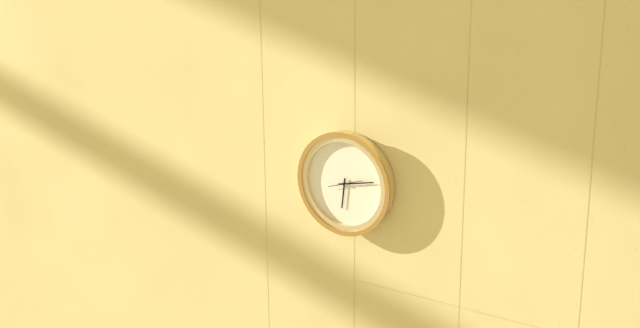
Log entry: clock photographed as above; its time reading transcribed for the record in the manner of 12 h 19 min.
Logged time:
6 h 13 min
